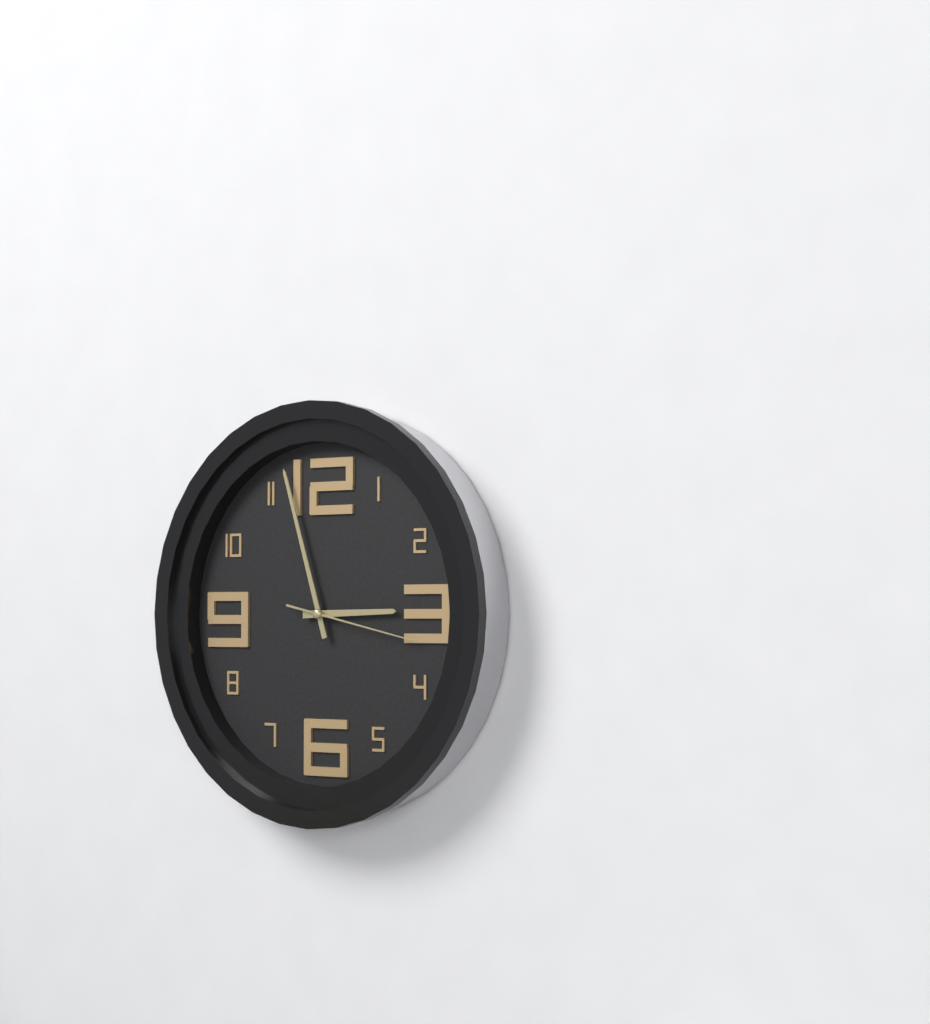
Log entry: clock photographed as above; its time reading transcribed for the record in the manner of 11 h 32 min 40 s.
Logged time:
2 h 57 min 17 s
